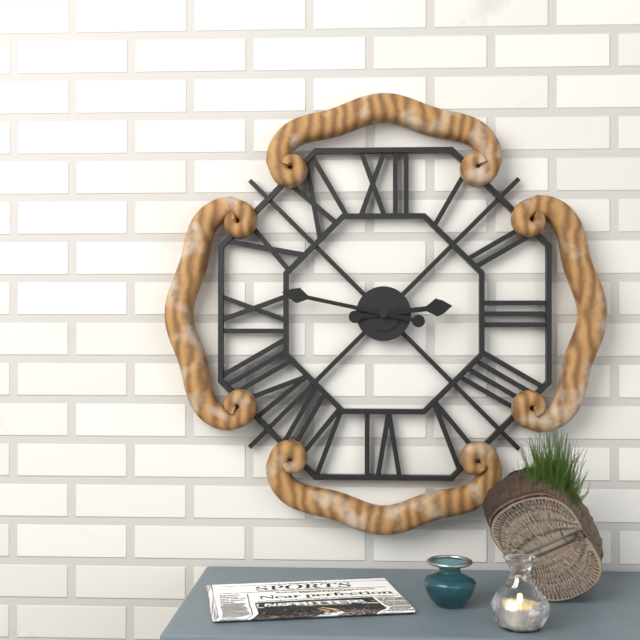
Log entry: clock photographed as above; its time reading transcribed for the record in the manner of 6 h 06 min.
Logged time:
2 h 47 min
